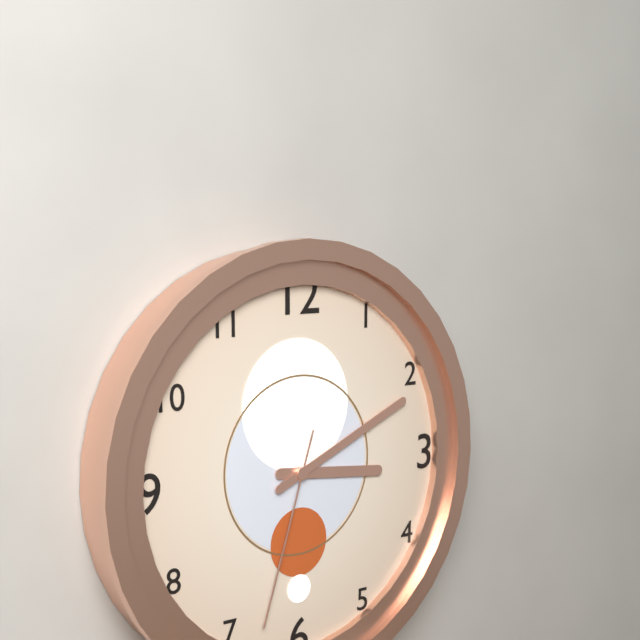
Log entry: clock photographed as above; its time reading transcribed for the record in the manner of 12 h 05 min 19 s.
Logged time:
3 h 11 min 33 s
